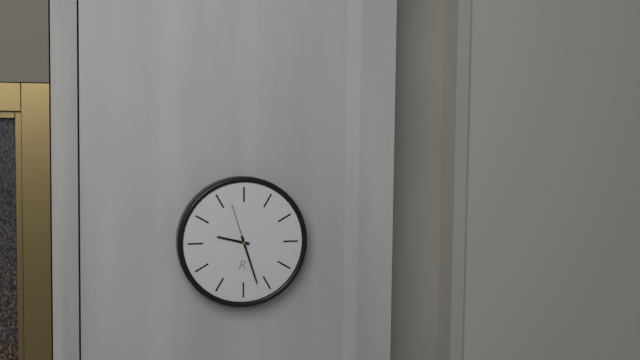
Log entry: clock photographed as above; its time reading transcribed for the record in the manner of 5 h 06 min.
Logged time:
9 h 27 min
